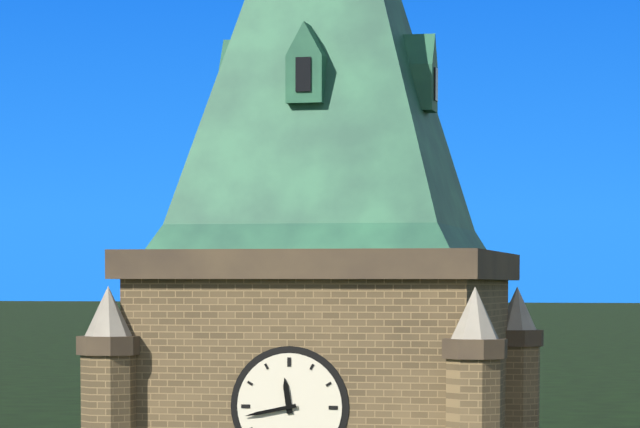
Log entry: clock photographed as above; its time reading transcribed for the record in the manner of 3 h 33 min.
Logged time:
11 h 43 min
